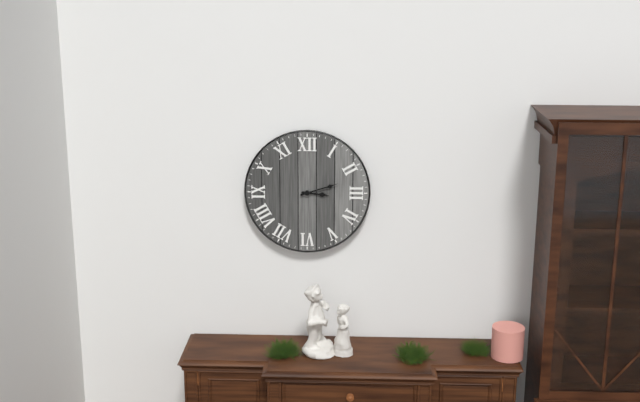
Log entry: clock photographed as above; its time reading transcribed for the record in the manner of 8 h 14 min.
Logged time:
3 h 12 min
